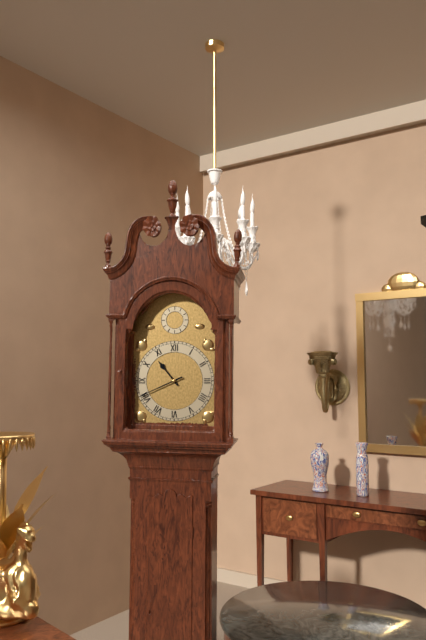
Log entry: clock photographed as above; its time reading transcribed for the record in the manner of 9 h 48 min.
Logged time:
10 h 41 min
